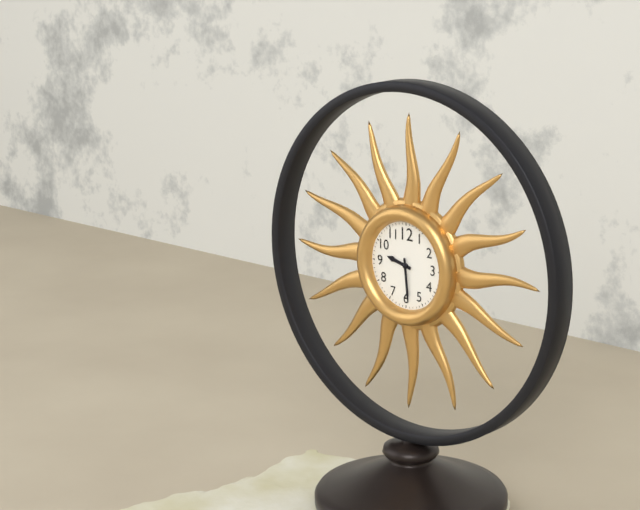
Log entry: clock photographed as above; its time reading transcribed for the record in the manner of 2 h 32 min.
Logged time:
9 h 29 min
